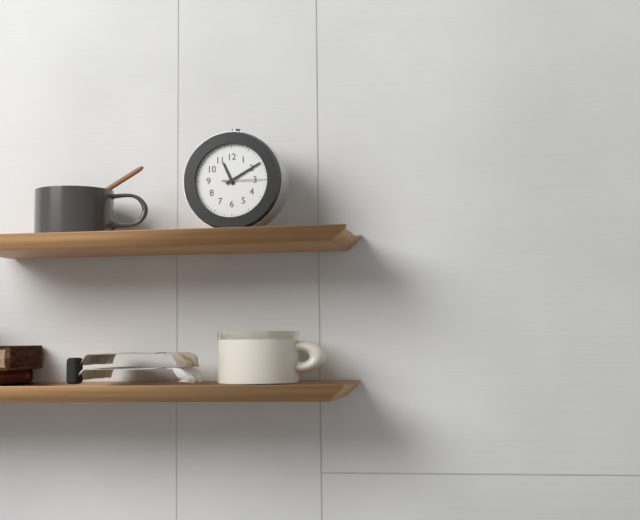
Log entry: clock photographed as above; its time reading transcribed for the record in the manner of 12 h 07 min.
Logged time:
11 h 10 min
